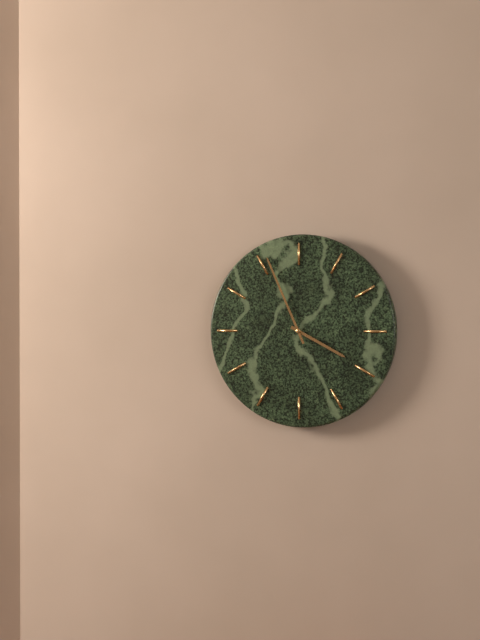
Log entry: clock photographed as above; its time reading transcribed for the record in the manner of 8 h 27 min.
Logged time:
3 h 56 min
